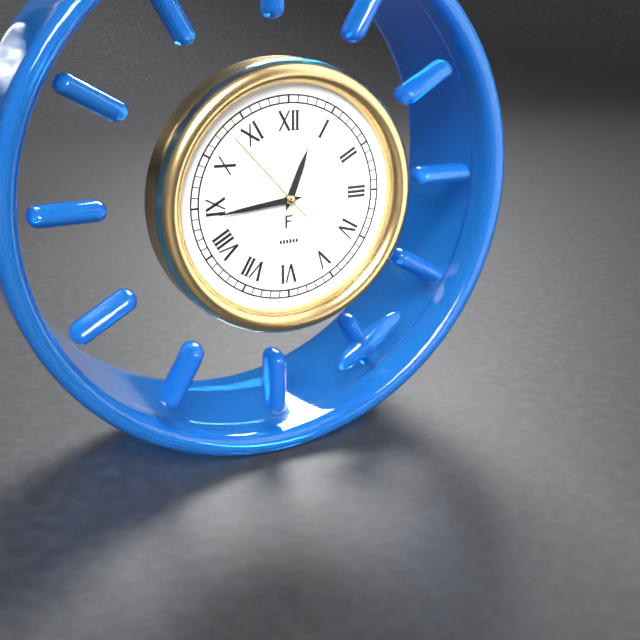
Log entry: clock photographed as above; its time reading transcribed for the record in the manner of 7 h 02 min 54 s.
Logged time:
12 h 44 min 53 s
